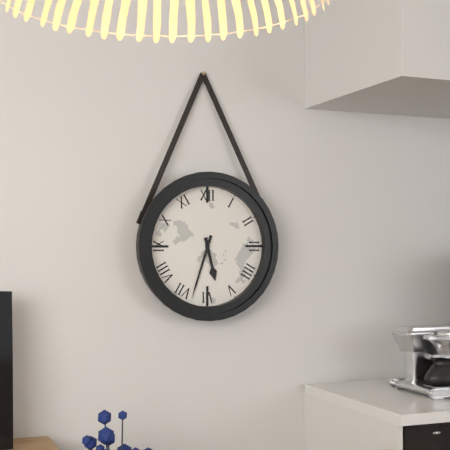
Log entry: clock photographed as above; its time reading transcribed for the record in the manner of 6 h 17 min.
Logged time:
5 h 33 min
